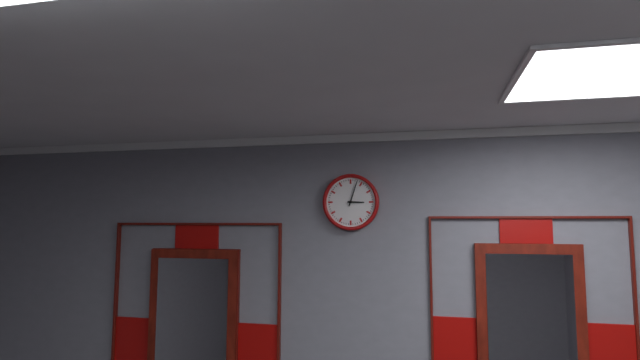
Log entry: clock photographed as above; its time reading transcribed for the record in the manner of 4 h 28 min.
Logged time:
3 h 03 min
